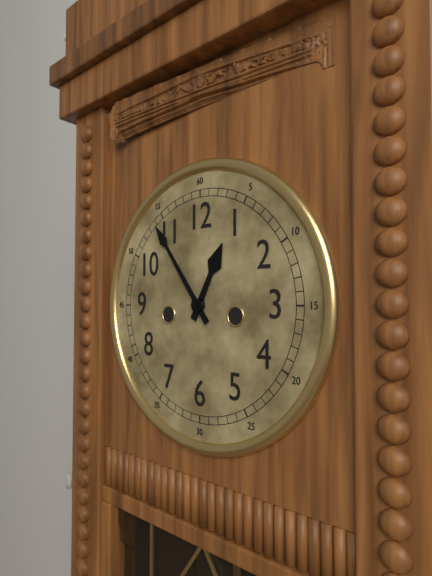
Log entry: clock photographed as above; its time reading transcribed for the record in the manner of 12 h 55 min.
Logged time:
12 h 54 min
